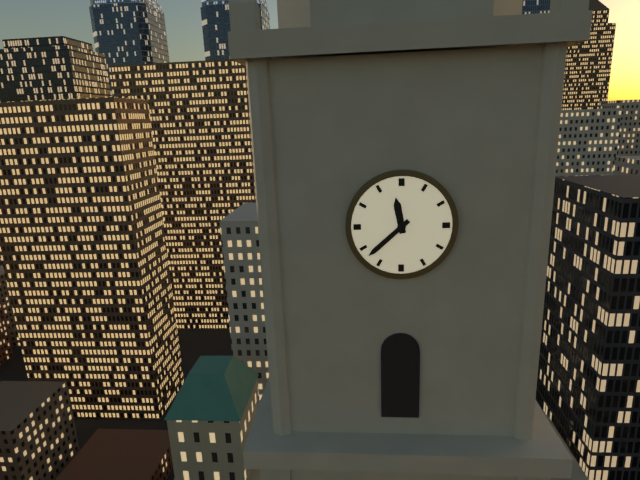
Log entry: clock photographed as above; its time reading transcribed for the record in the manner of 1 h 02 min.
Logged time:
11 h 38 min
